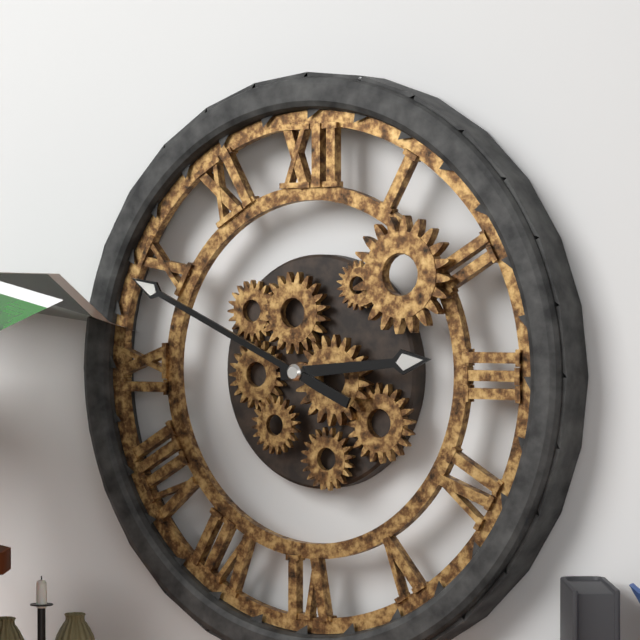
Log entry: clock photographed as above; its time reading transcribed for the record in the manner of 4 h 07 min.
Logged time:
2 h 49 min
